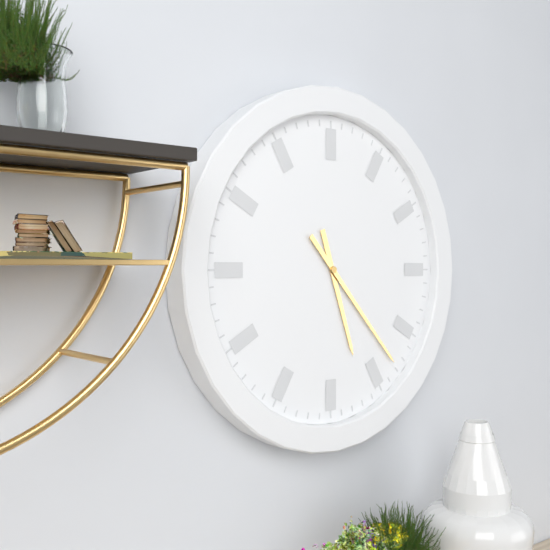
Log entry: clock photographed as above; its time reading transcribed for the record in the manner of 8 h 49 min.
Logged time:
5 h 23 min
